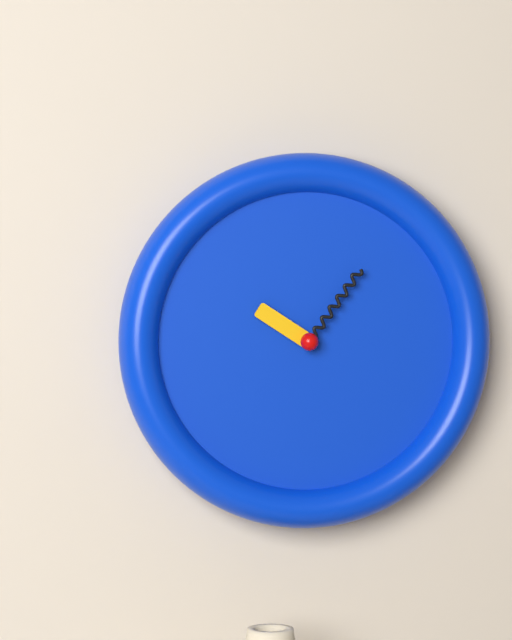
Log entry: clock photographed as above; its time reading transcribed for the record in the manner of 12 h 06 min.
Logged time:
10 h 06 min
